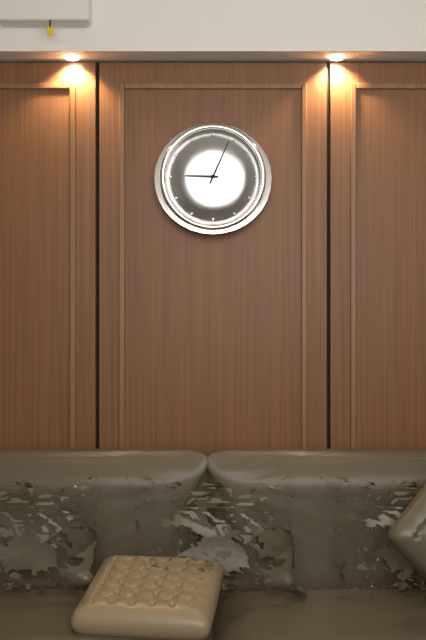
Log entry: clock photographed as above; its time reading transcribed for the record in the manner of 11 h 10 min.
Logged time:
9 h 04 min
